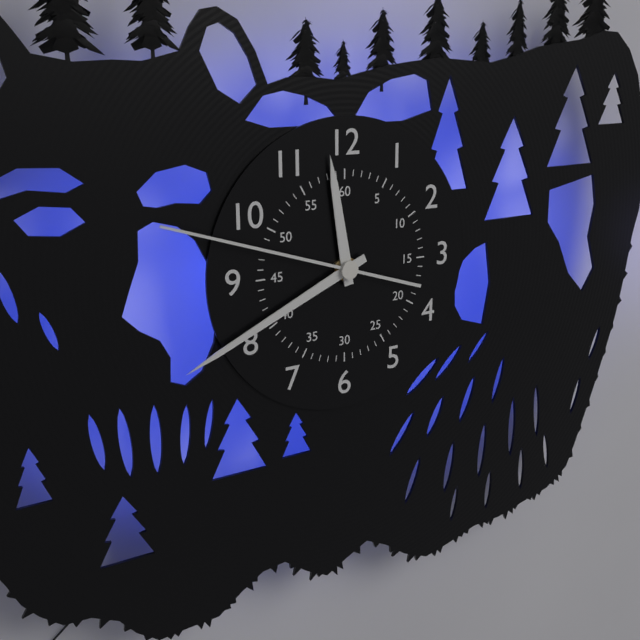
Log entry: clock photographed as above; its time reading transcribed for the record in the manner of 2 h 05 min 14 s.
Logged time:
11 h 41 min 48 s
